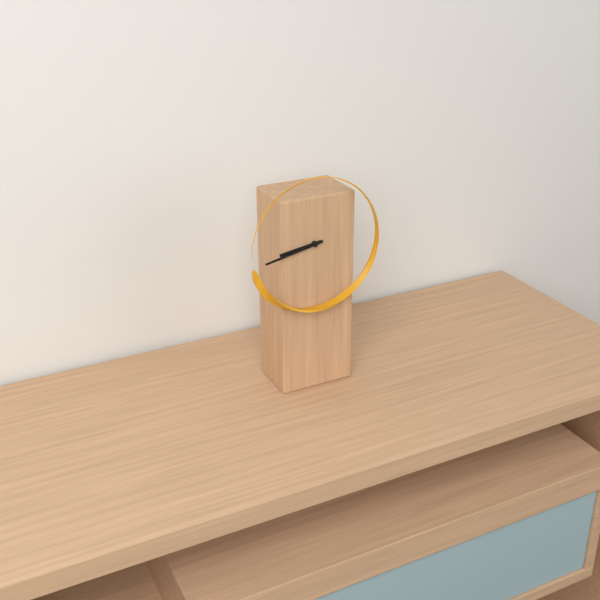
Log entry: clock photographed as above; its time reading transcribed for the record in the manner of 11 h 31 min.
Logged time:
8 h 43 min
